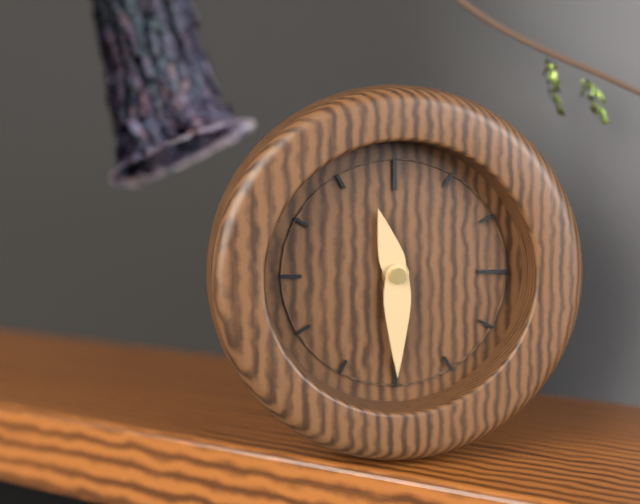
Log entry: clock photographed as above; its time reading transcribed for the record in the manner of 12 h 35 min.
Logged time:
11 h 30 min
